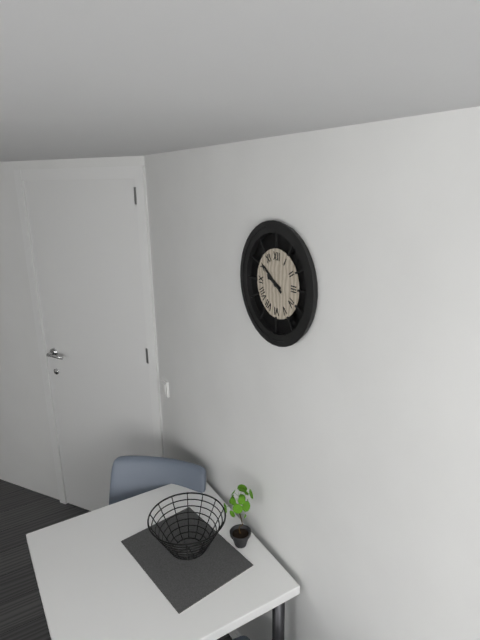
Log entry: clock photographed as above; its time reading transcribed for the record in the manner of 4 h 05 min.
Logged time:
9 h 51 min
